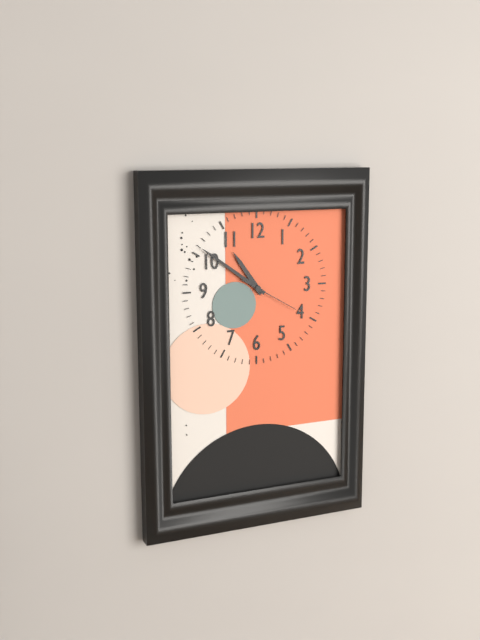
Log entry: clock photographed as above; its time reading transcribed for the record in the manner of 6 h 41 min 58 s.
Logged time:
10 h 51 min 20 s
